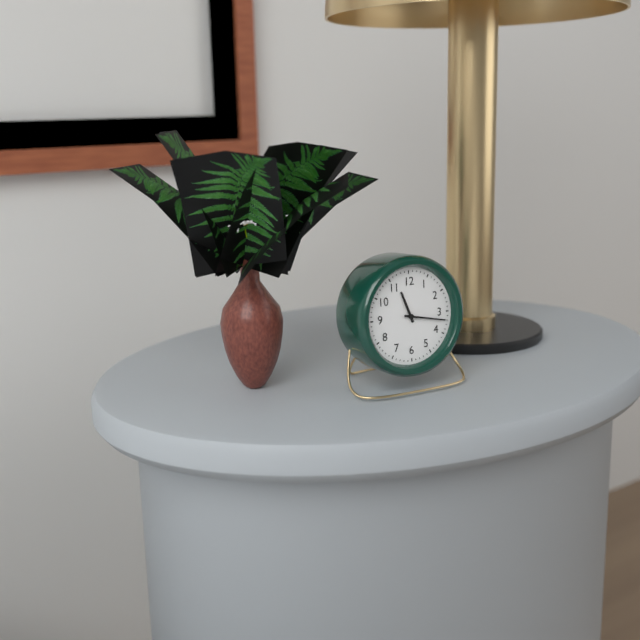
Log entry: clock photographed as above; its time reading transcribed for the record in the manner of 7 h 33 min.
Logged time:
11 h 17 min
